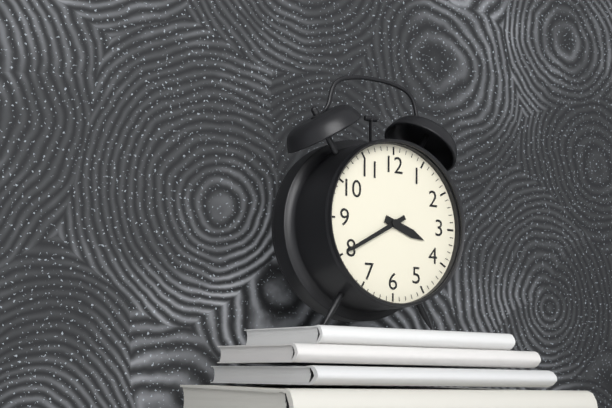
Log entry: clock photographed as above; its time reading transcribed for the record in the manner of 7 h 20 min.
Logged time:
3 h 40 min
